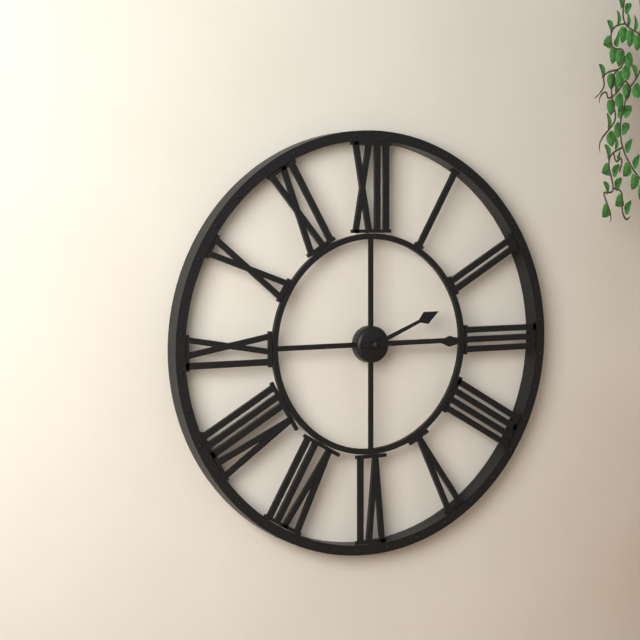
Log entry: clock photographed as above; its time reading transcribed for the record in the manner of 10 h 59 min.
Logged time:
2 h 15 min
